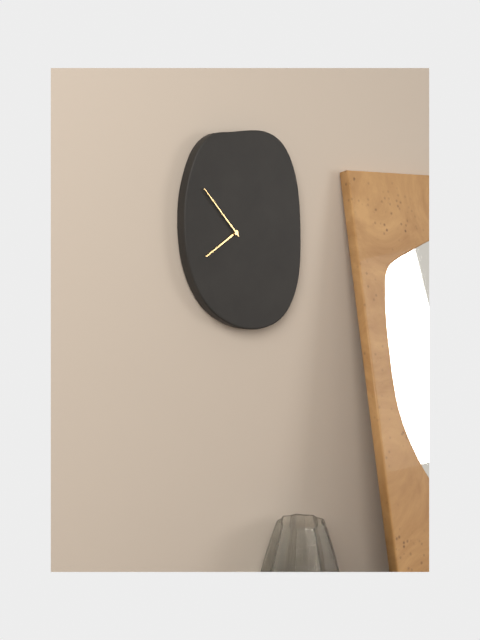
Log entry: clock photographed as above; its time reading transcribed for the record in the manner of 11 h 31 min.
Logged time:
7 h 53 min
